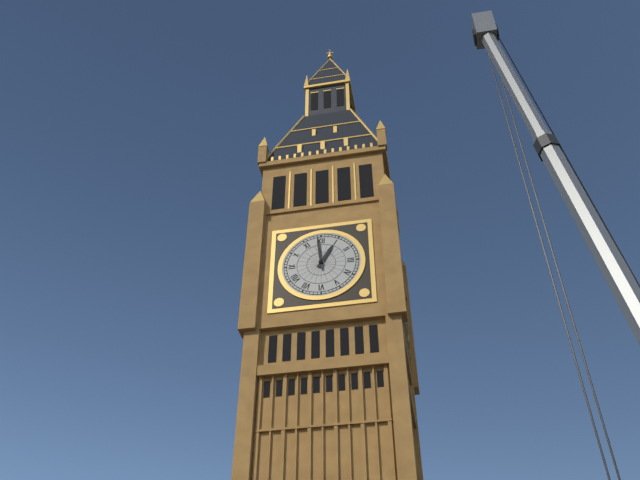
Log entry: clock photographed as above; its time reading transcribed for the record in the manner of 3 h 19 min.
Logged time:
12 h 59 min
